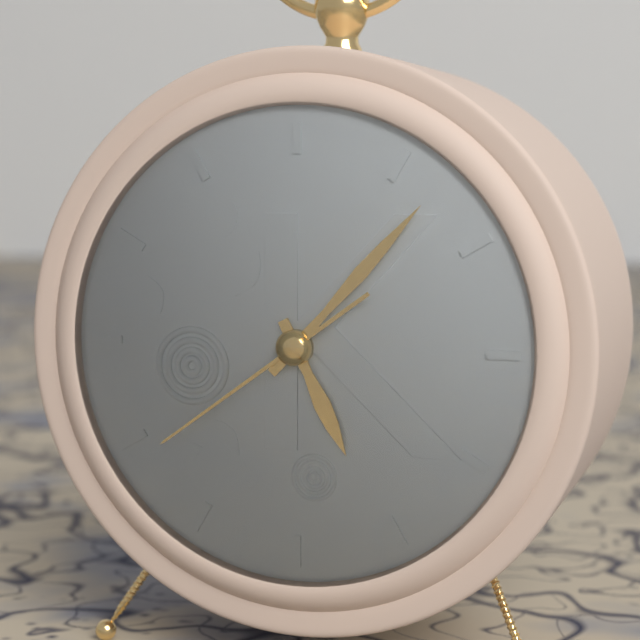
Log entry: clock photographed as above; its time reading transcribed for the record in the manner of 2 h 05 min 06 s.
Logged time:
5 h 07 min 39 s
